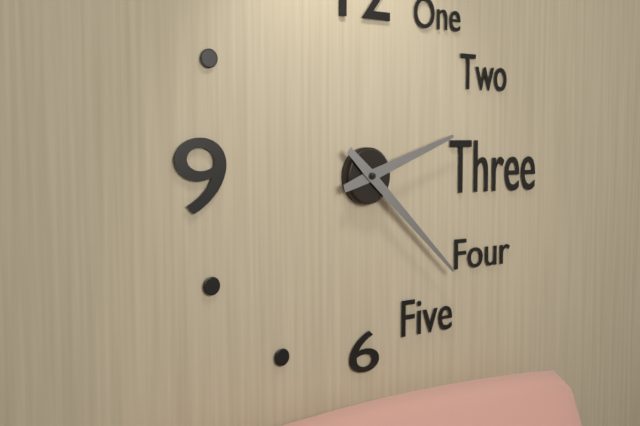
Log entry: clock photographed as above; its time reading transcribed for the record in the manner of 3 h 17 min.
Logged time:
2 h 22 min
